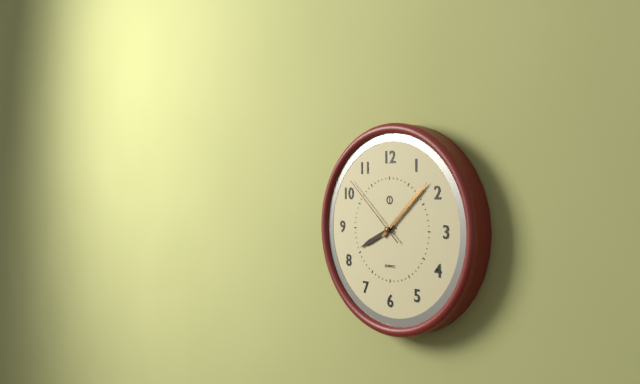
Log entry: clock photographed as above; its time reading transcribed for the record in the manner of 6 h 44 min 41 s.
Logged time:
8 h 08 min 52 s
